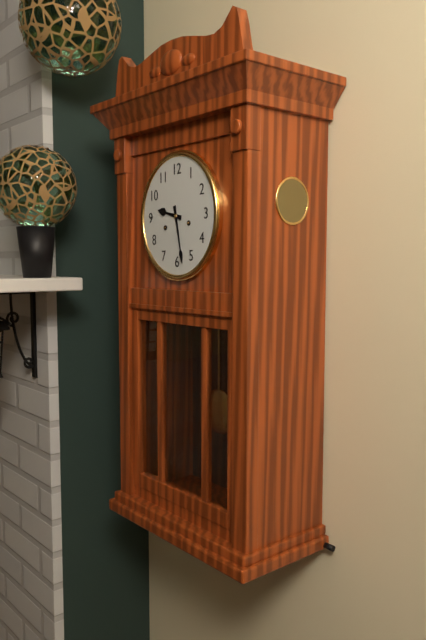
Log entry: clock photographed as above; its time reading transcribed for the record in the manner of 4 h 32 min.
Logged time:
9 h 28 min
